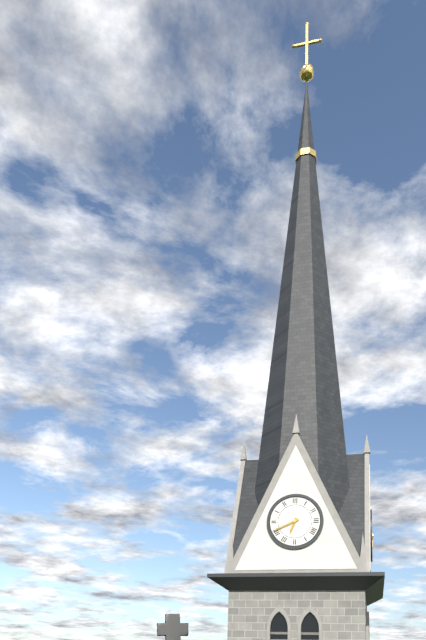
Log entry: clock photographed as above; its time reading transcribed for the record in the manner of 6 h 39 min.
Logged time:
6 h 41 min
